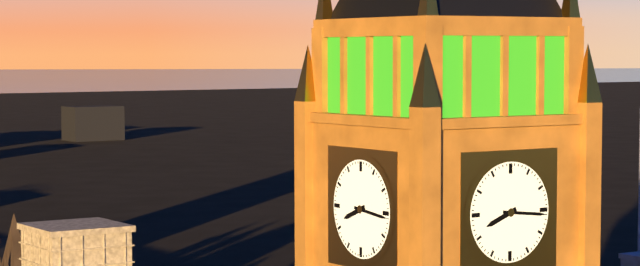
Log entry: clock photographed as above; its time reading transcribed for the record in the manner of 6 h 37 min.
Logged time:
8 h 16 min
